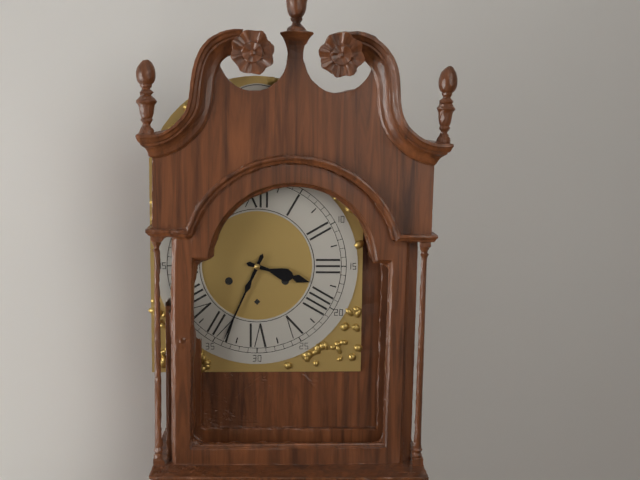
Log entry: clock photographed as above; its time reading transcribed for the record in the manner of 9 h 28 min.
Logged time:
3 h 34 min
